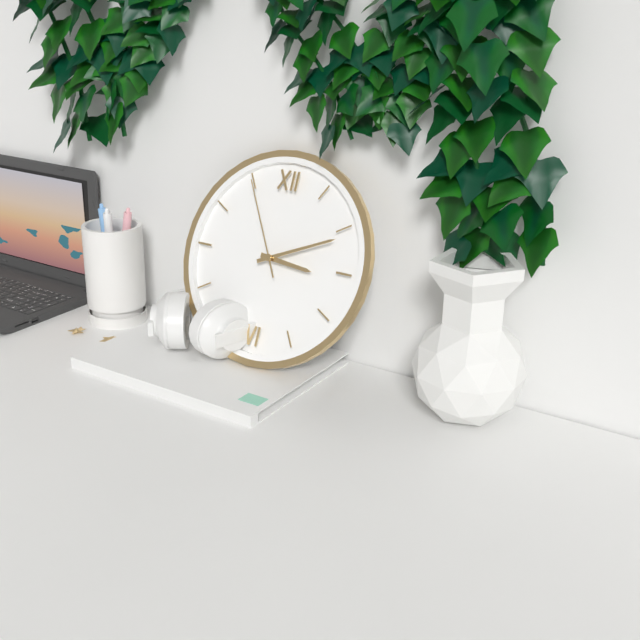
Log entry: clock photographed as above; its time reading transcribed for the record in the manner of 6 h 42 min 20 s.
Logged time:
3 h 11 min 55 s
